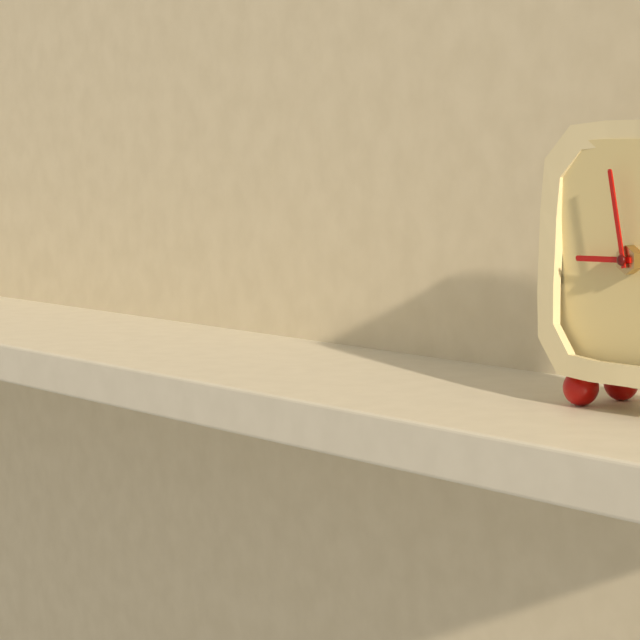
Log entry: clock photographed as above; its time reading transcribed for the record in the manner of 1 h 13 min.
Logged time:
8 h 58 min
